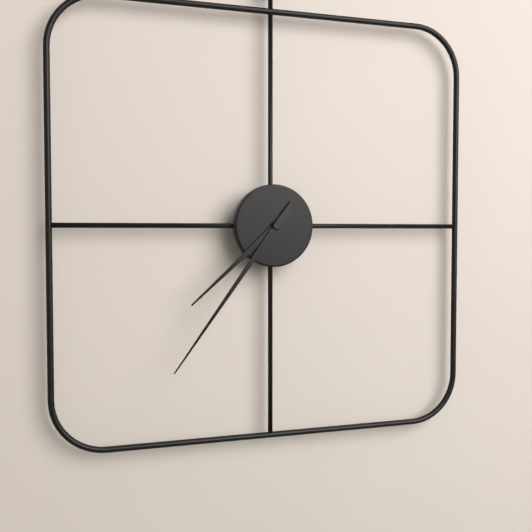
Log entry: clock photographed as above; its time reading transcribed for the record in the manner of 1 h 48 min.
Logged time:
7 h 36 min
